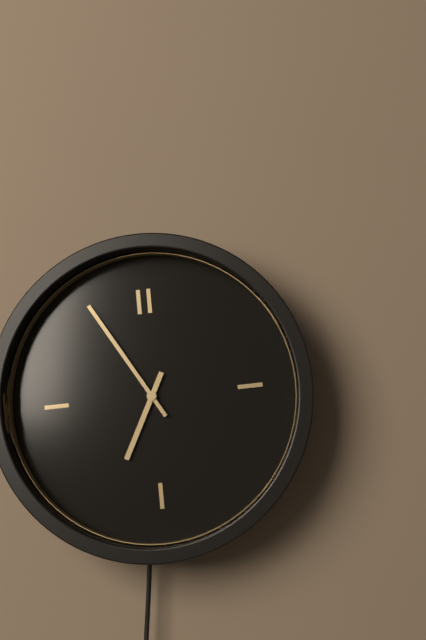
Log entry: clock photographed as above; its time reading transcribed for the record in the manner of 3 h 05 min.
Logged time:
6 h 55 min
